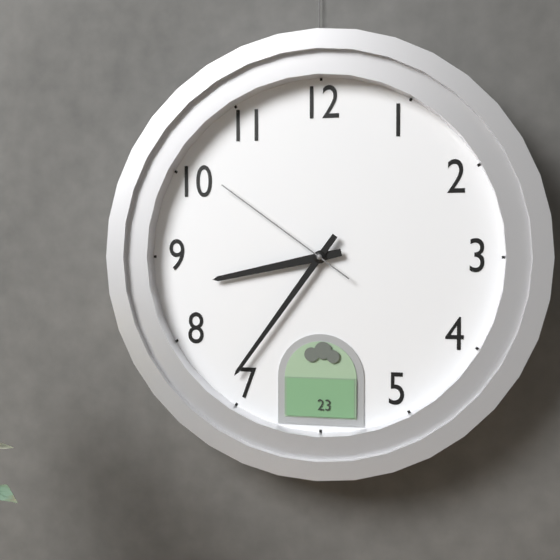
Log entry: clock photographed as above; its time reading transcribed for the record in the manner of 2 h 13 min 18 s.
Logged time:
8 h 36 min 51 s
